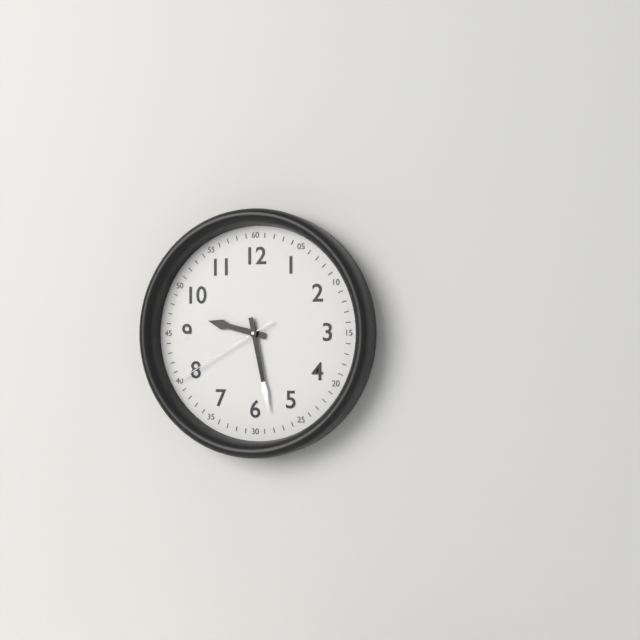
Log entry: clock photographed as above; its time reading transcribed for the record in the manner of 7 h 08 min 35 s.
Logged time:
9 h 28 min 40 s
